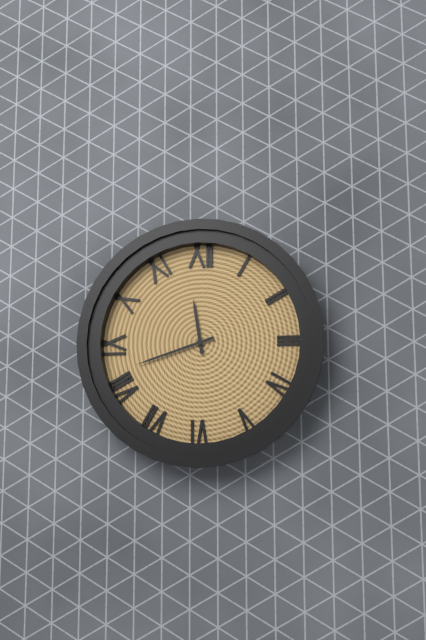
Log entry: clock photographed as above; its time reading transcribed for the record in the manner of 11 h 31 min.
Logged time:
11 h 42 min
